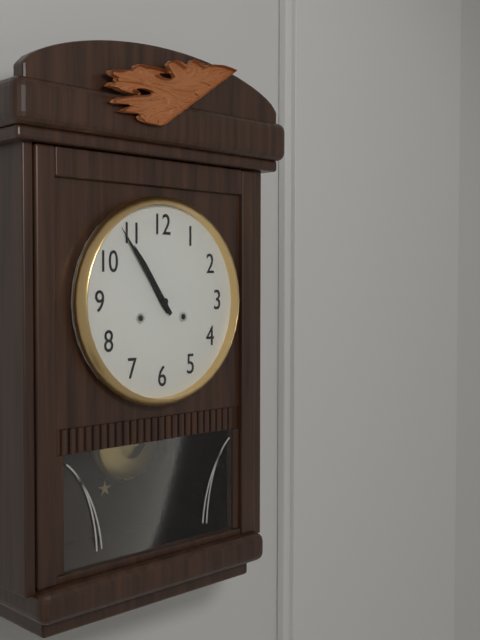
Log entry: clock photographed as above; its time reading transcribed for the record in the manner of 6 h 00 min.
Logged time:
10 h 54 min
